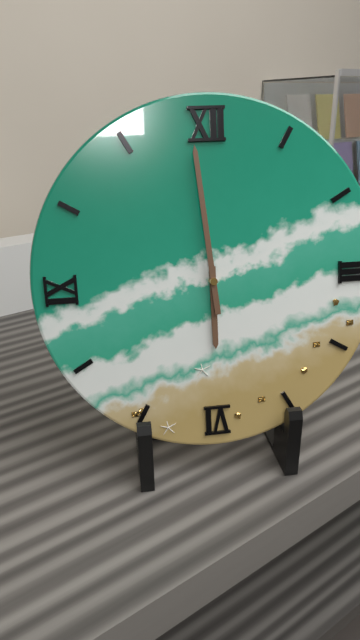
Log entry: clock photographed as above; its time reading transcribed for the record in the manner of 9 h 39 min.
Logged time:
5 h 59 min
